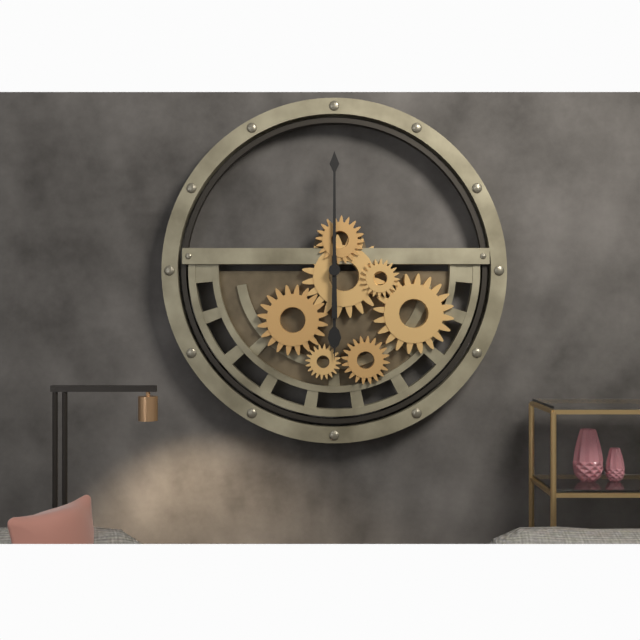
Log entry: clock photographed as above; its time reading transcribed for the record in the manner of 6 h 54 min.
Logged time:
6 h 00 min
